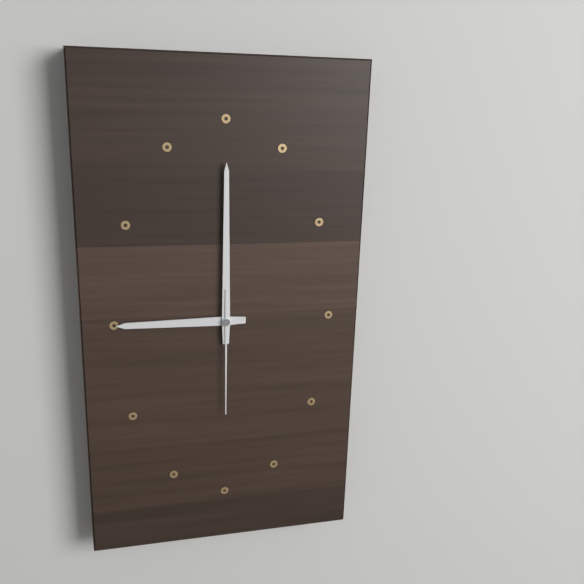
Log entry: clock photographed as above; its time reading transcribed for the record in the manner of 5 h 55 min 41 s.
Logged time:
9 h 00 min 30 s
